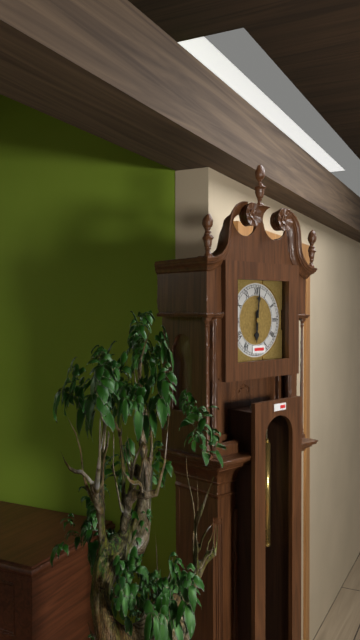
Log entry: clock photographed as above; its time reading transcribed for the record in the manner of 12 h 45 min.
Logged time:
6 h 01 min
